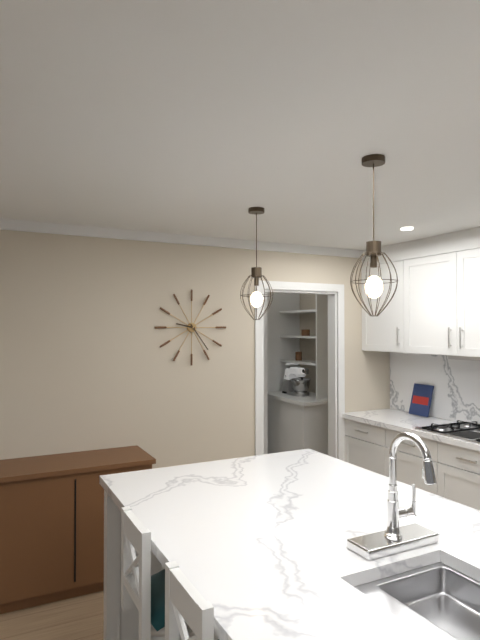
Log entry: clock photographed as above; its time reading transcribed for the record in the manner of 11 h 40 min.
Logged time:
9 h 24 min
